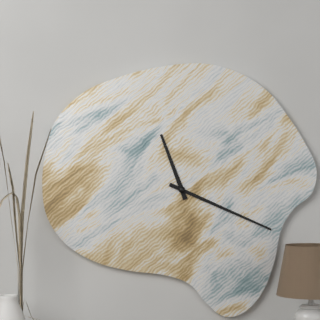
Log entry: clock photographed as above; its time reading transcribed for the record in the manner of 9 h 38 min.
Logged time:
11 h 19 min
